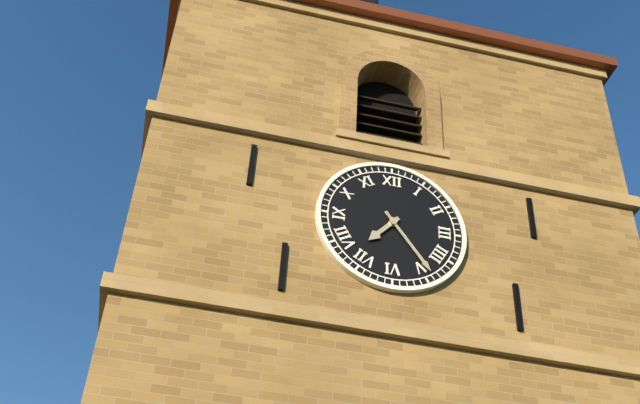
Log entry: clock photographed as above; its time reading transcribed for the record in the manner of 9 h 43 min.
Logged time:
7 h 24 min
